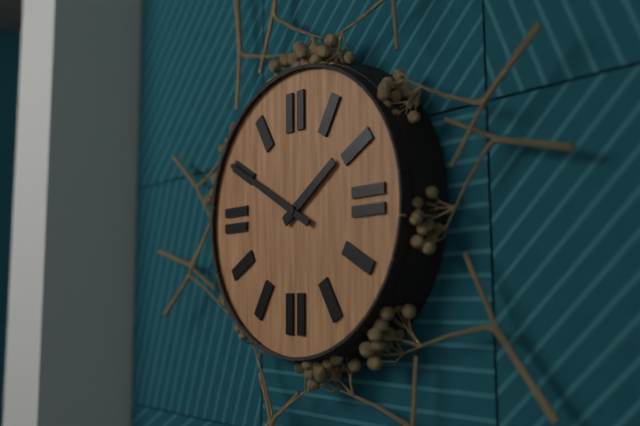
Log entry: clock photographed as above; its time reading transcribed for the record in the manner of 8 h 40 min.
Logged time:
1 h 50 min
